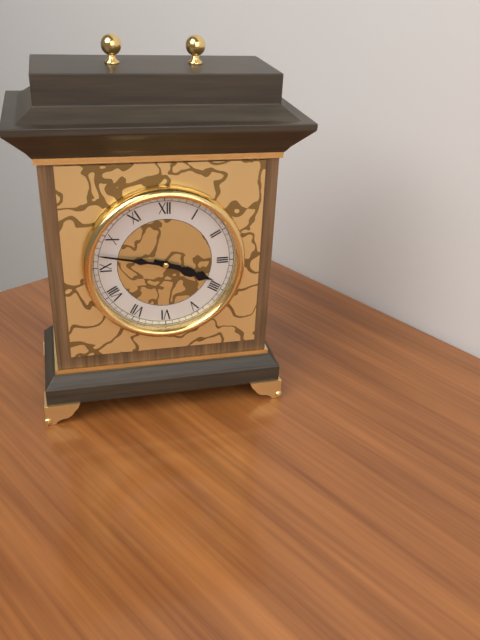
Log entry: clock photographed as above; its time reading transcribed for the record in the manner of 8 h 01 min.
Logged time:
3 h 47 min
